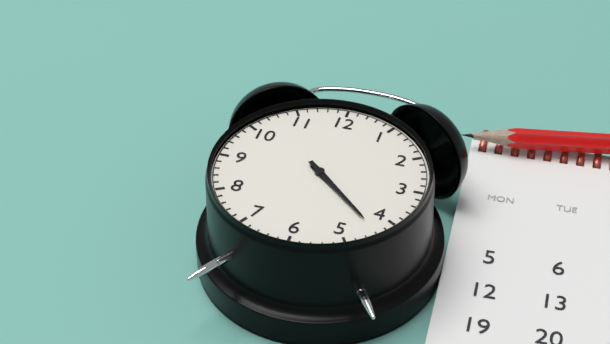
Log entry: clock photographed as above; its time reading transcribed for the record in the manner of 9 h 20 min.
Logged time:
4 h 22 min
